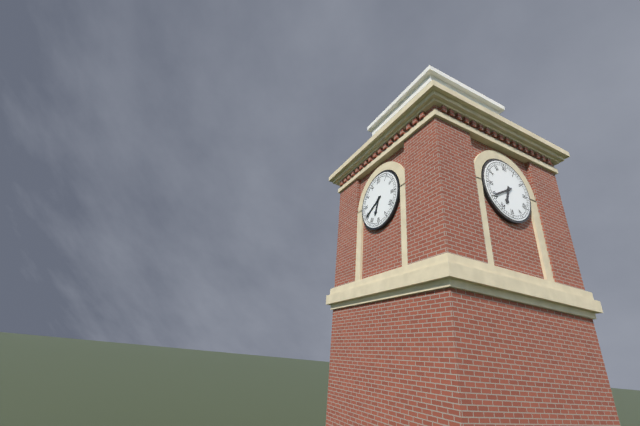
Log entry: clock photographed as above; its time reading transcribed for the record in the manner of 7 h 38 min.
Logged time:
6 h 40 min
